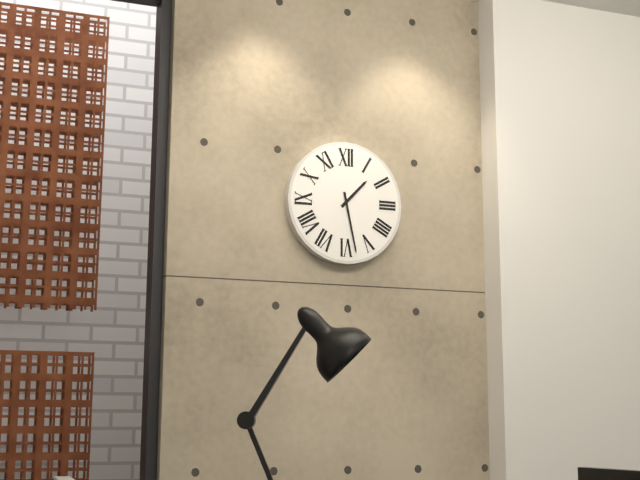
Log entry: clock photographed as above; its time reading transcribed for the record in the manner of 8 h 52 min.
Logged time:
1 h 28 min
